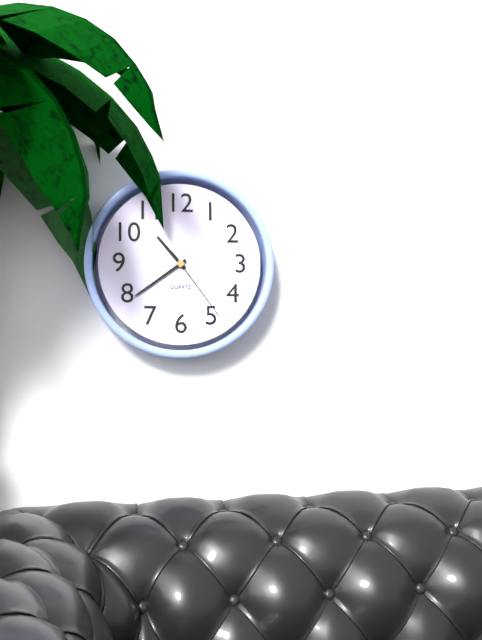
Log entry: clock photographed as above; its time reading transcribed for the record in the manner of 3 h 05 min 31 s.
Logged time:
10 h 39 min 24 s
